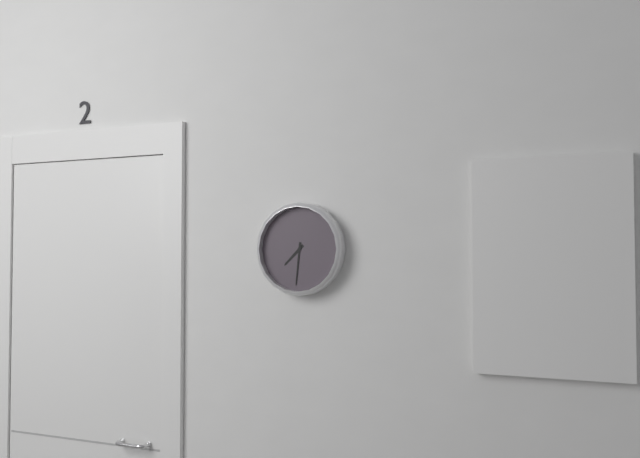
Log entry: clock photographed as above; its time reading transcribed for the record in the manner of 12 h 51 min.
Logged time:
7 h 31 min
